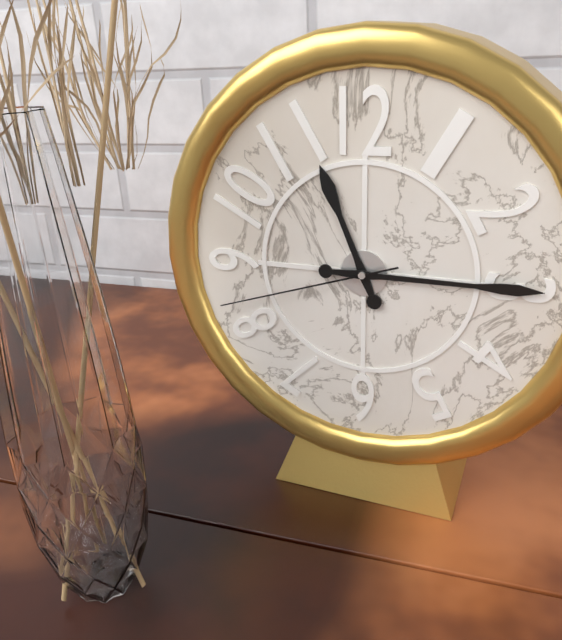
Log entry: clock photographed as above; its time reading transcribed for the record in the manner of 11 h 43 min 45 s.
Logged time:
11 h 15 min 42 s
